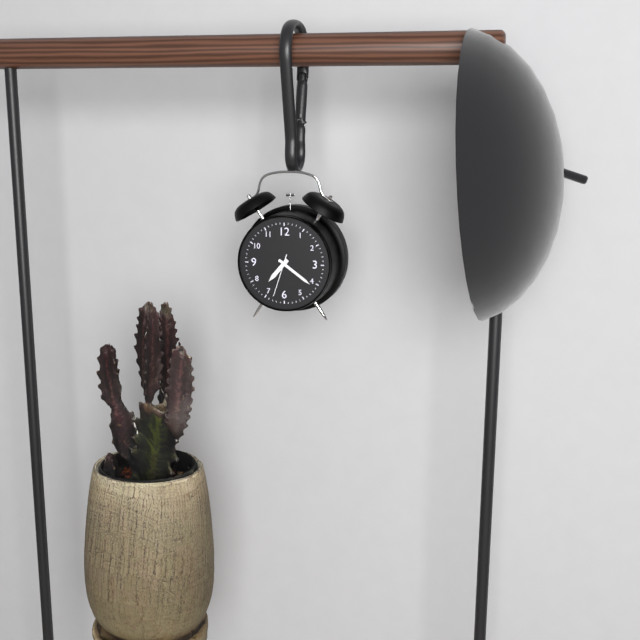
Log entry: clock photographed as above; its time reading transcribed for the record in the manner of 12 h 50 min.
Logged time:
7 h 21 min
